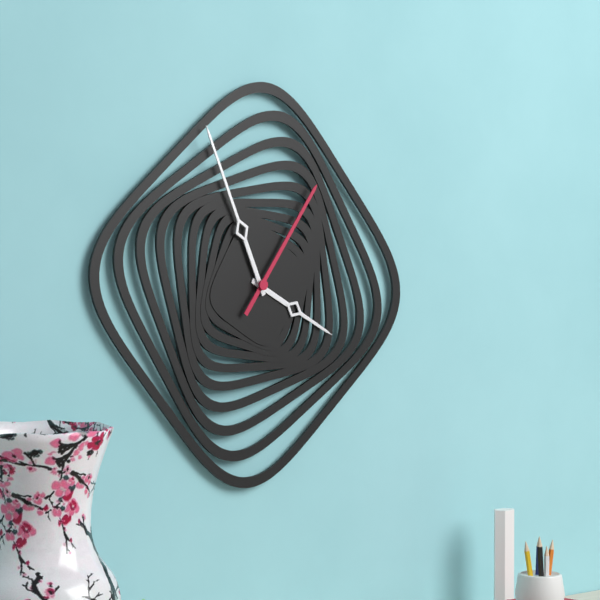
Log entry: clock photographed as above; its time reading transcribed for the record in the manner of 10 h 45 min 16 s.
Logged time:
3 h 56 min 06 s
